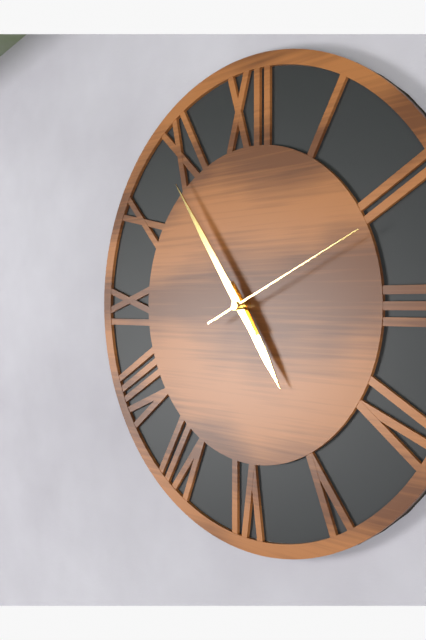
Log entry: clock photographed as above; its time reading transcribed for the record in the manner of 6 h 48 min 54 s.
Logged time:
4 h 54 min 11 s
